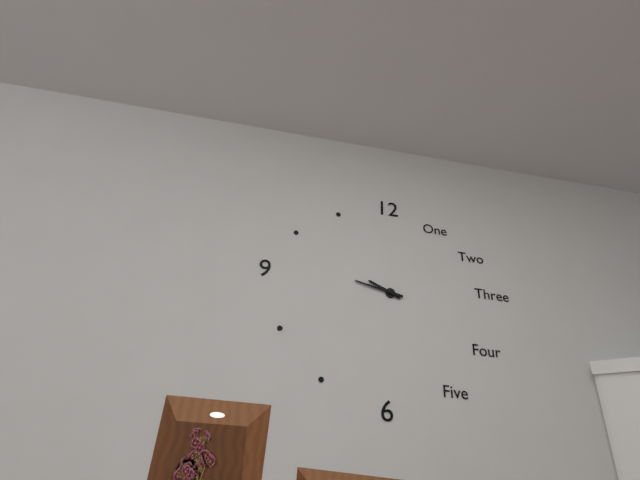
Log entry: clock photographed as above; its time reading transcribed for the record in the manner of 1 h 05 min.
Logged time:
9 h 47 min
